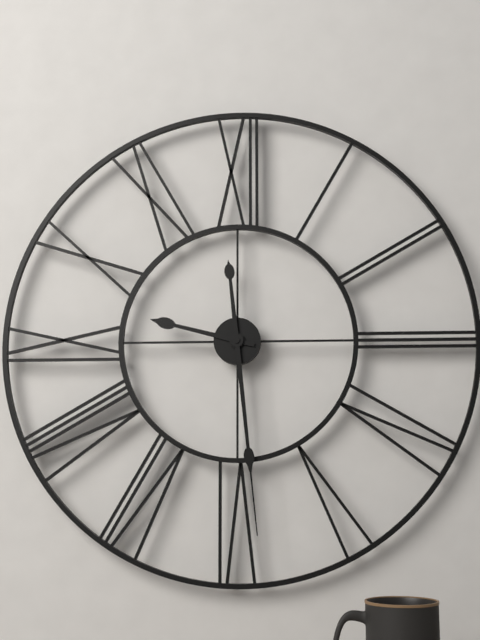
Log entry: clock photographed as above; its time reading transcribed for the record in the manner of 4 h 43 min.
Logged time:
9 h 29 min
